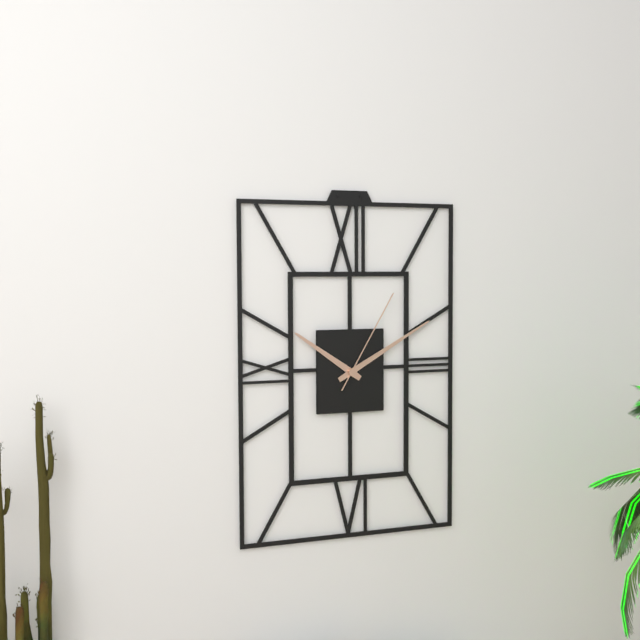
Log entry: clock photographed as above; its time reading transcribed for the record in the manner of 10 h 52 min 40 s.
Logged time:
10 h 10 min 05 s
